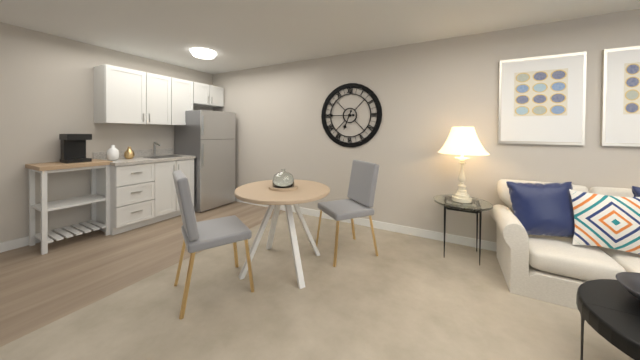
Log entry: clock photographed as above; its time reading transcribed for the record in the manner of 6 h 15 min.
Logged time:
6 h 45 min
